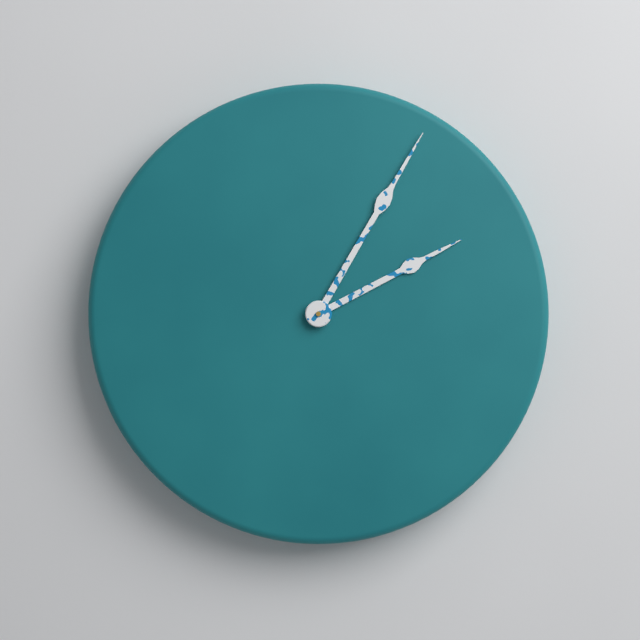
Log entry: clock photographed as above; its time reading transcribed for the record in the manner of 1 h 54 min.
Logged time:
2 h 05 min
